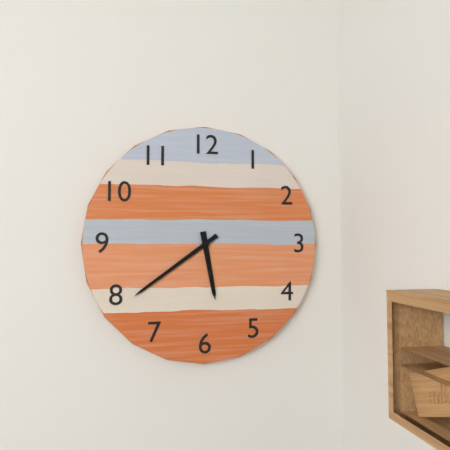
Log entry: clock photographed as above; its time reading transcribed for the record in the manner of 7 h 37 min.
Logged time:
5 h 39 min
